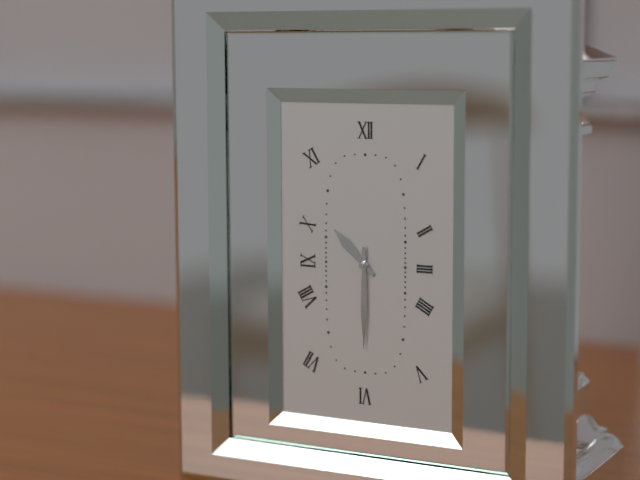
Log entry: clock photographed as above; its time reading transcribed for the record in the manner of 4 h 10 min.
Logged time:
10 h 30 min
